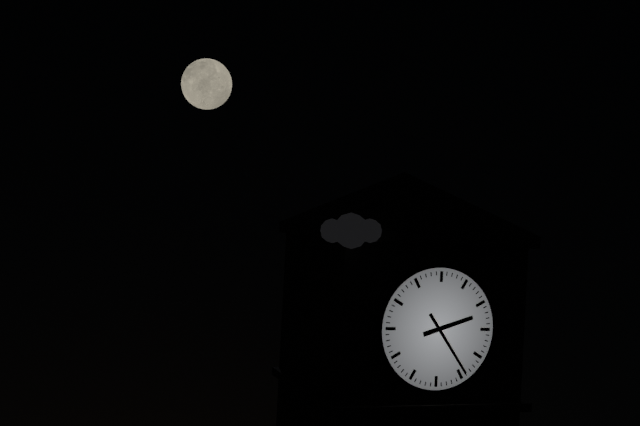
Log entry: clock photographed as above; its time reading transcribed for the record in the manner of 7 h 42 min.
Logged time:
2 h 24 min
